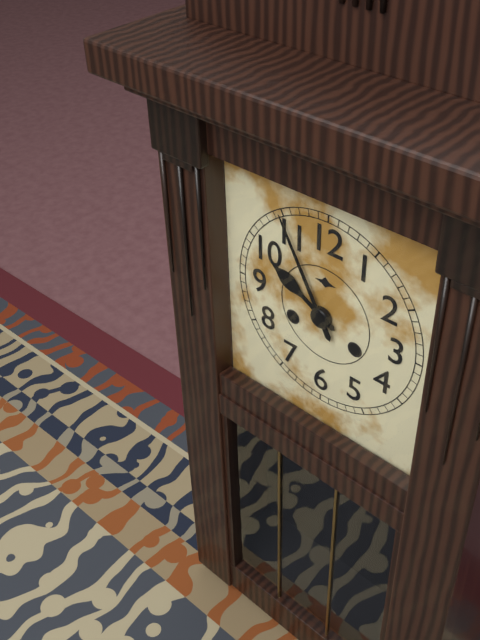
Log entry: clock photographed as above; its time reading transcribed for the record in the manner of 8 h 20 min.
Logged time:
9 h 55 min
